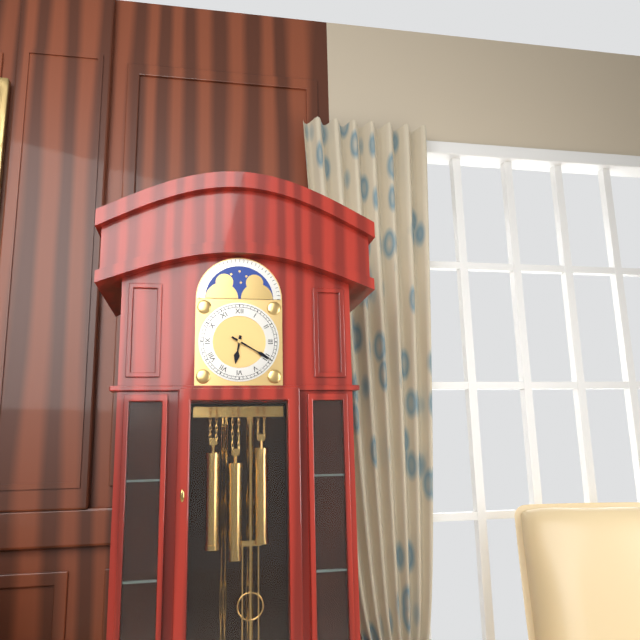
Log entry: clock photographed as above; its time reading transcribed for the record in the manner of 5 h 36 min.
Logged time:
6 h 20 min
